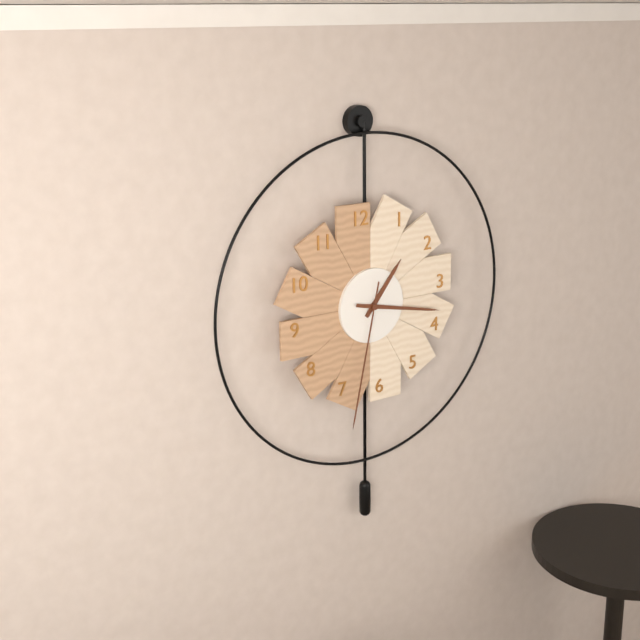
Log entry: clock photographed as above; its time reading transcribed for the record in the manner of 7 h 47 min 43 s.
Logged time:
1 h 17 min 32 s
